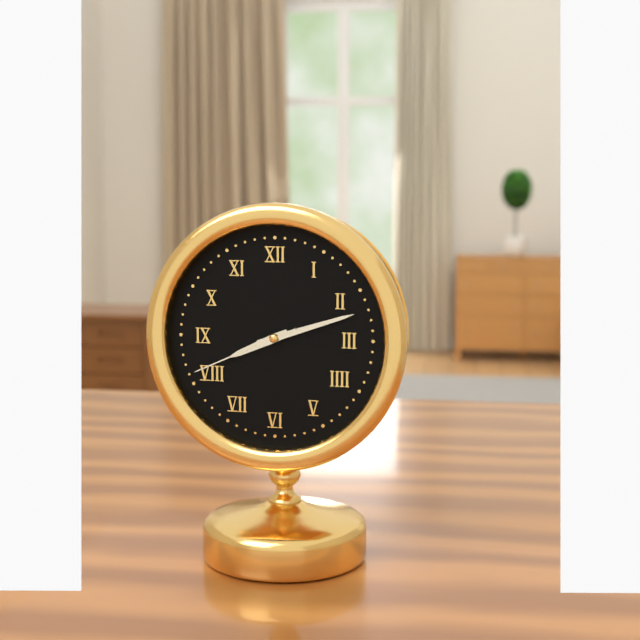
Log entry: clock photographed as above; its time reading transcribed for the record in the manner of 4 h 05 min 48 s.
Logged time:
8 h 12 min 41 s
